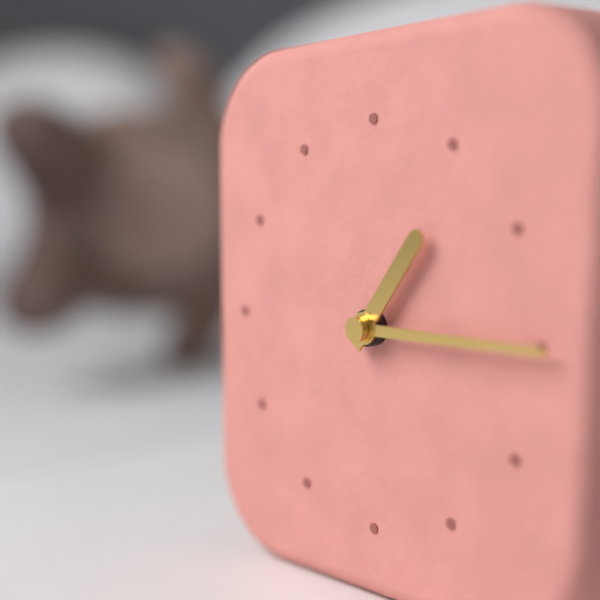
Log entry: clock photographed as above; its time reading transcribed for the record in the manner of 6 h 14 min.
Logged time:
1 h 15 min
